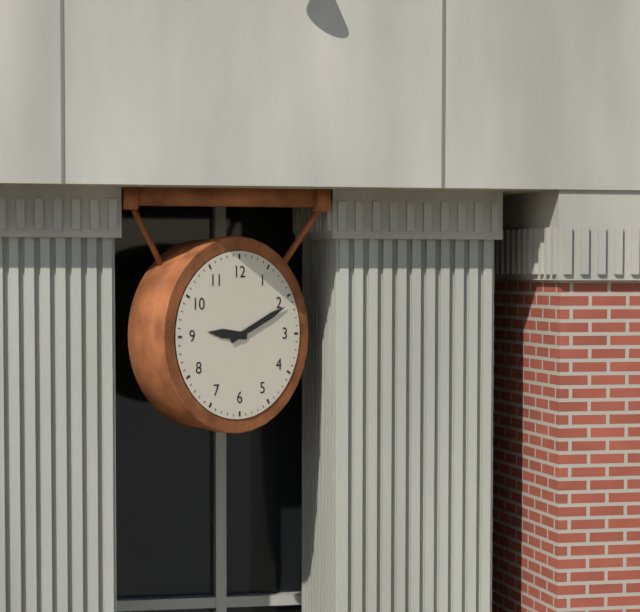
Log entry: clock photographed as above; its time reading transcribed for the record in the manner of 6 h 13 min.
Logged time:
9 h 11 min
